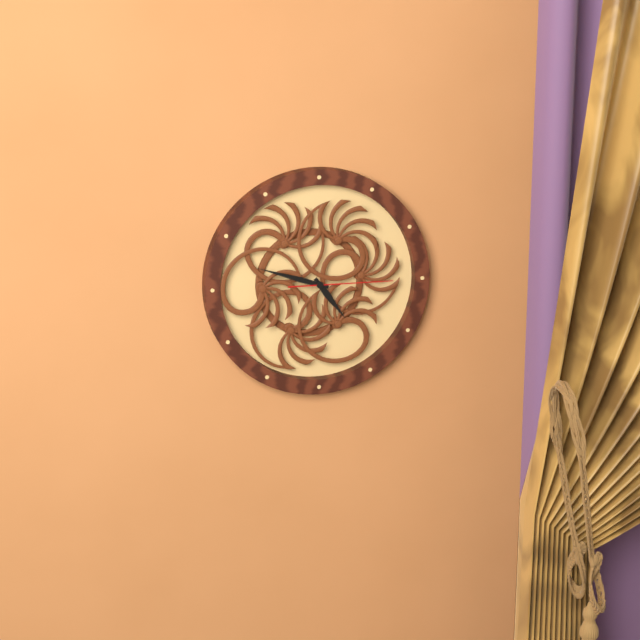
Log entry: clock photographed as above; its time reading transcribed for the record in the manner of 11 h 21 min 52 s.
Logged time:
4 h 48 min 15 s
